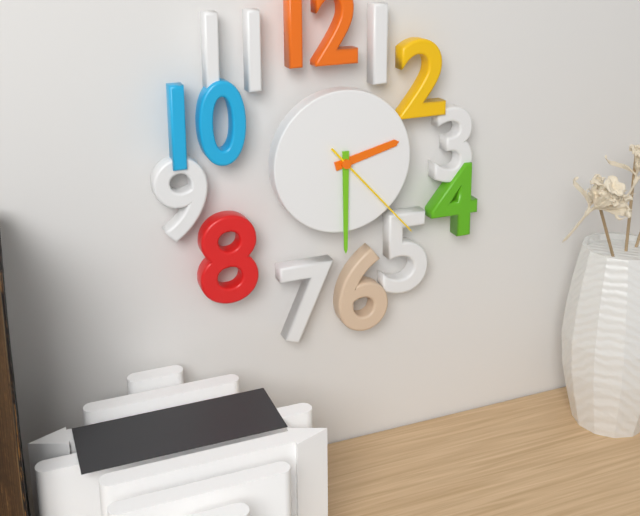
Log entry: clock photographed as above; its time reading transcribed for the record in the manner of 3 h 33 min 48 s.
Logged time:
2 h 30 min 23 s
